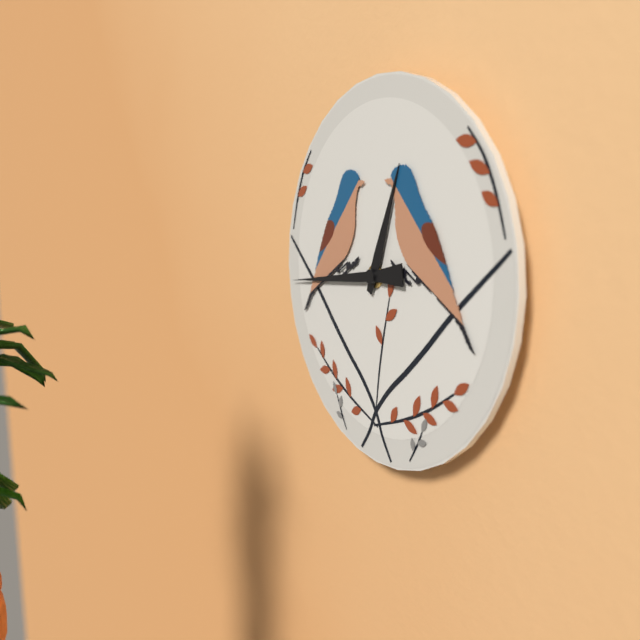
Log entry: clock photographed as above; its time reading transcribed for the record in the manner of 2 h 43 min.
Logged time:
12 h 44 min
